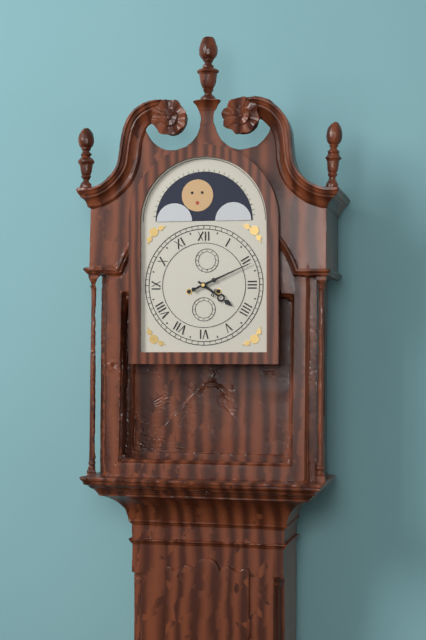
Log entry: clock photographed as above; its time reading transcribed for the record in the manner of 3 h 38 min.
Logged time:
4 h 11 min
